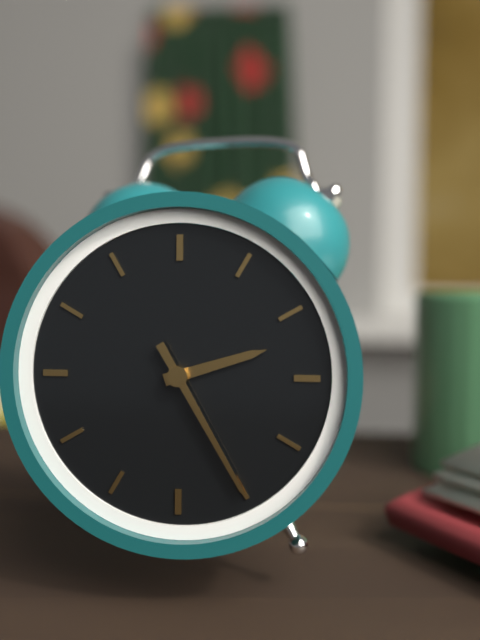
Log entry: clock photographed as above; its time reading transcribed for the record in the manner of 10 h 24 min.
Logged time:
2 h 25 min
